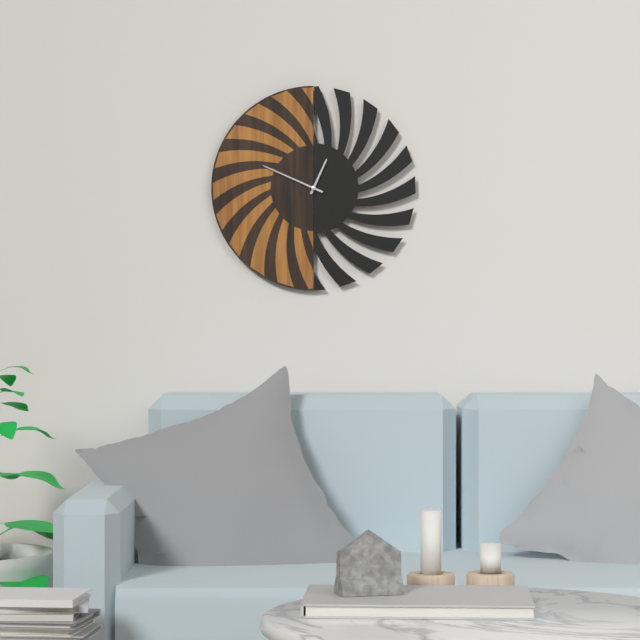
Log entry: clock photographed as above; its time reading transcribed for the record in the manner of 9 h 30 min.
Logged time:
12 h 49 min
